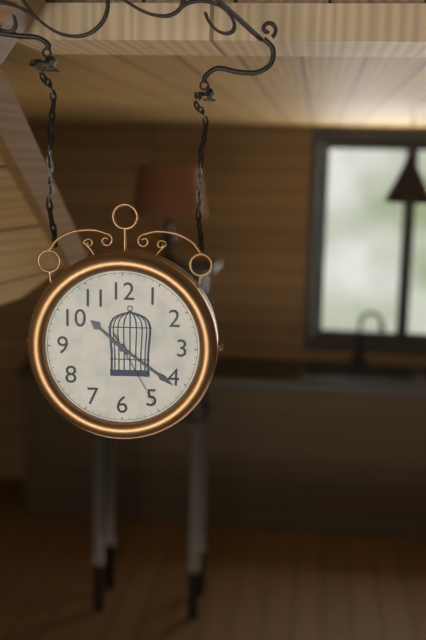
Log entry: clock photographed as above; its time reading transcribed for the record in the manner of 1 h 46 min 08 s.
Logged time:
10 h 21 min 25 s
